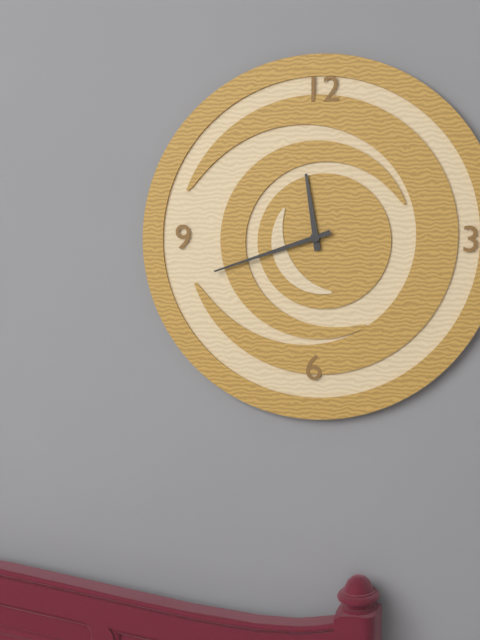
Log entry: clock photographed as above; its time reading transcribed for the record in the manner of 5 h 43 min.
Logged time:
11 h 42 min
